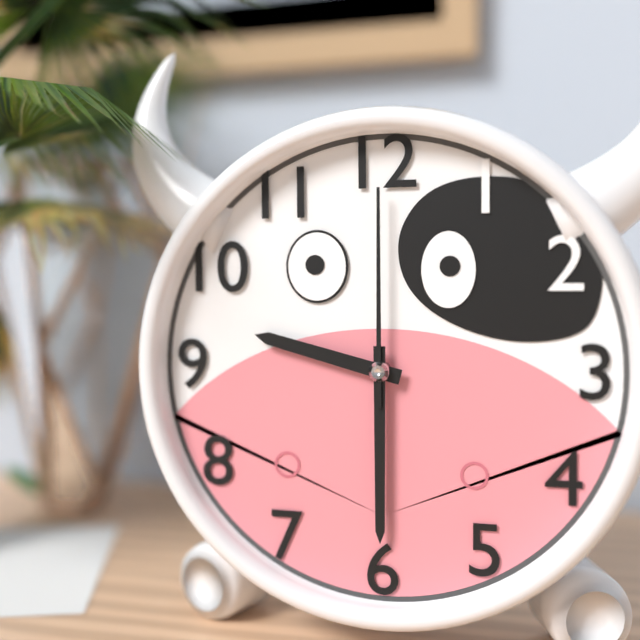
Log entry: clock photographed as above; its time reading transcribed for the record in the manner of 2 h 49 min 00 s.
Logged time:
9 h 30 min 00 s
